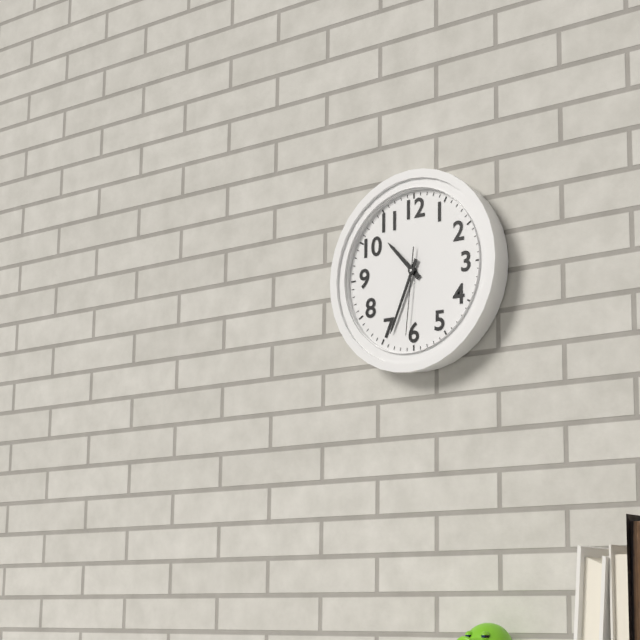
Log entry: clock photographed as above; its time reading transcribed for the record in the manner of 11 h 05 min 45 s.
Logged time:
10 h 34 min 31 s
